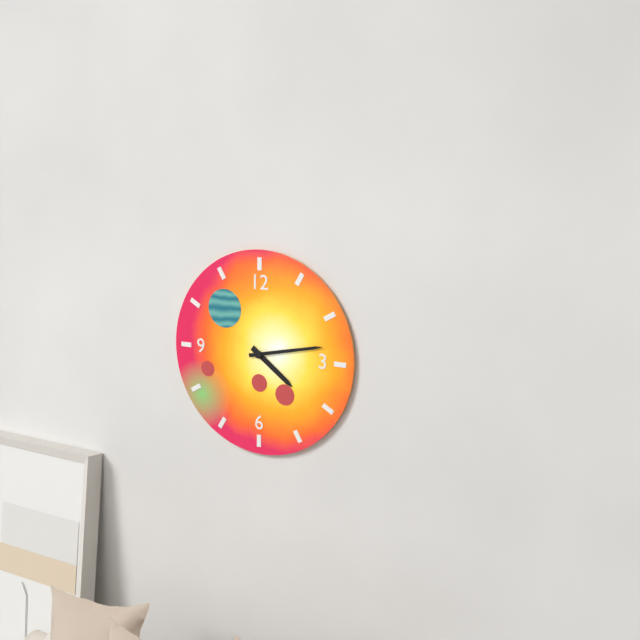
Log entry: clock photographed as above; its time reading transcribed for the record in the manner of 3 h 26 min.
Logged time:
4 h 13 min
